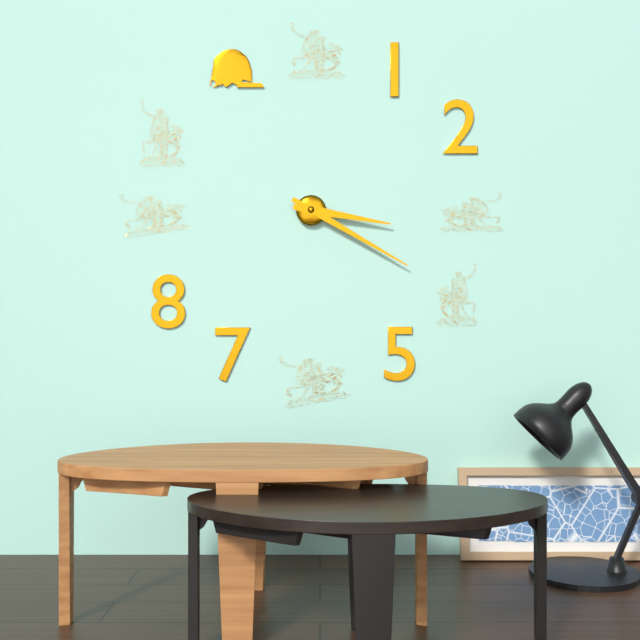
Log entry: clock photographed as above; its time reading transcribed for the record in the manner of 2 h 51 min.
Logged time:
3 h 20 min
